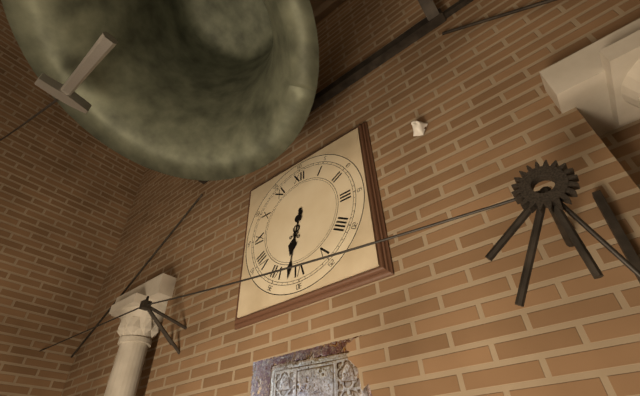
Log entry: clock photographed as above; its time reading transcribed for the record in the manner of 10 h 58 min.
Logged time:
6 h 32 min
